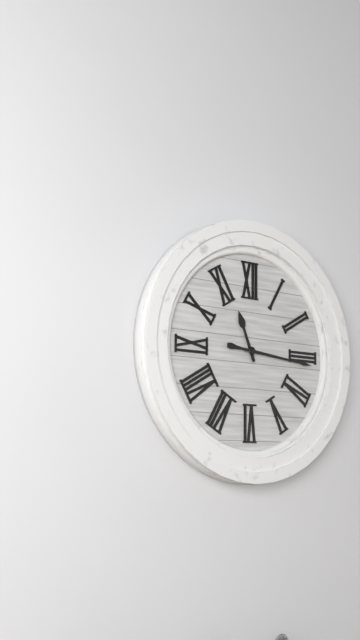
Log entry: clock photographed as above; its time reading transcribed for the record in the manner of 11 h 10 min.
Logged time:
11 h 16 min
